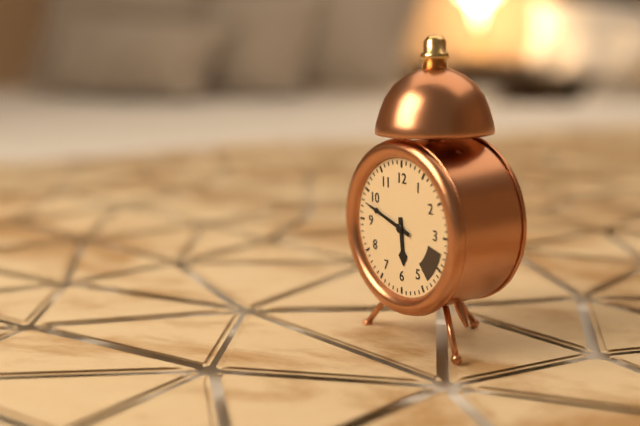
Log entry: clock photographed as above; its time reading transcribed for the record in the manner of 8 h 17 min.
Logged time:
5 h 48 min
